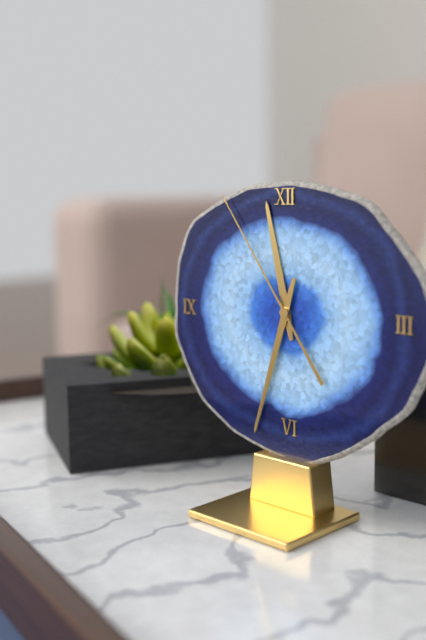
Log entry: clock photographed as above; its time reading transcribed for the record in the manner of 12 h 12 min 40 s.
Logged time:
11 h 33 min 54 s
